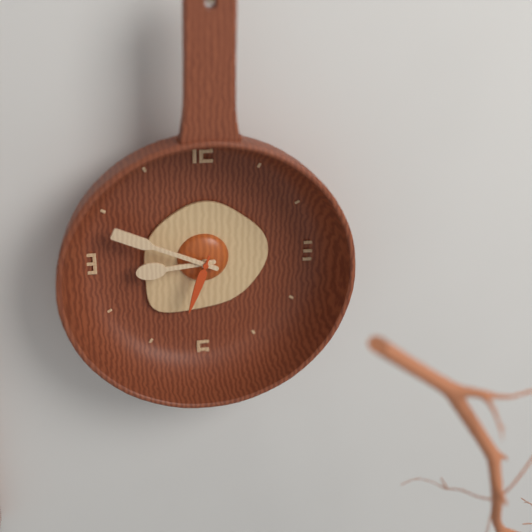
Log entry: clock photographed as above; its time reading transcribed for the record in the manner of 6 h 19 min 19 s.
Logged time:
8 h 49 min 33 s
